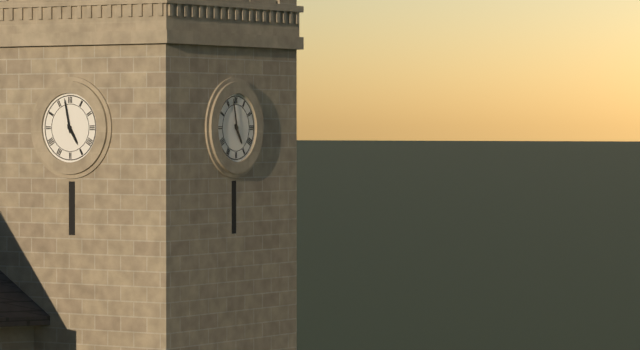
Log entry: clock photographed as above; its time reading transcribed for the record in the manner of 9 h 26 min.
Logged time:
4 h 58 min
